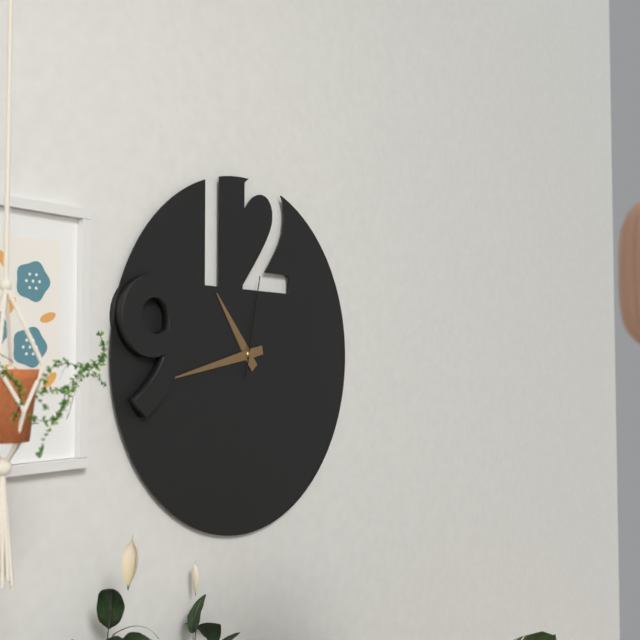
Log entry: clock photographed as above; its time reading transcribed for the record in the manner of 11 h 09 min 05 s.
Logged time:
10 h 43 min 02 s
